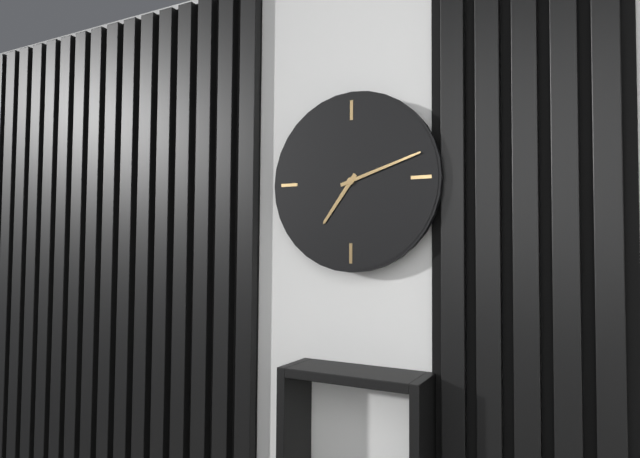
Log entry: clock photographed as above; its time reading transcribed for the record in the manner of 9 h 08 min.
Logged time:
7 h 12 min
